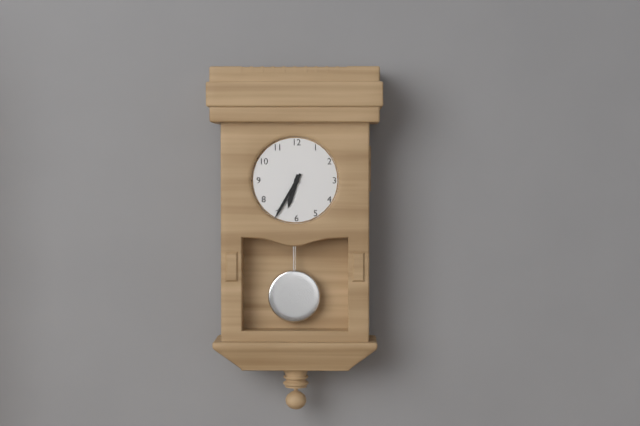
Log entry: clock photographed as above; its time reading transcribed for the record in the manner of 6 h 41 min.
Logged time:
6 h 35 min
